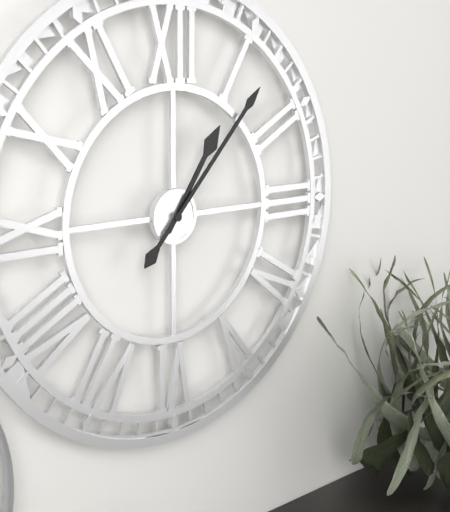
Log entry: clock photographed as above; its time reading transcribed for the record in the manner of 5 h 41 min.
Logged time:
1 h 07 min
